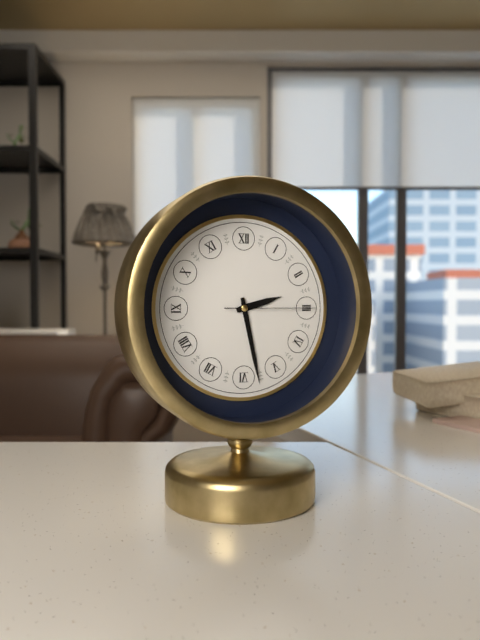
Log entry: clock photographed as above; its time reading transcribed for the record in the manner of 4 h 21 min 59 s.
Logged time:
2 h 28 min 15 s
